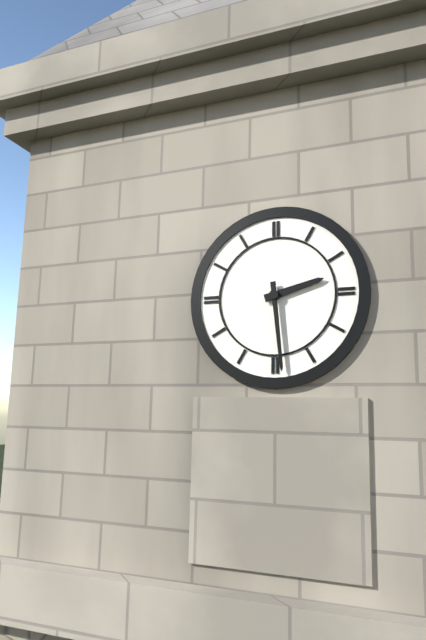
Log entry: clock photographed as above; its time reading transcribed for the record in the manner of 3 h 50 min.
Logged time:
2 h 29 min
